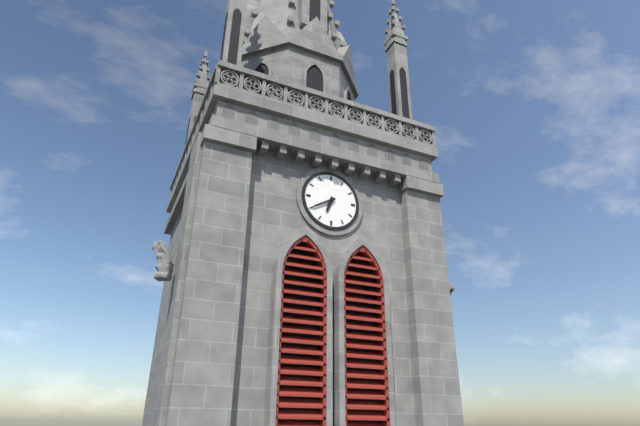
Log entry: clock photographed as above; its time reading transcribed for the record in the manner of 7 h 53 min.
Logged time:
6 h 40 min
